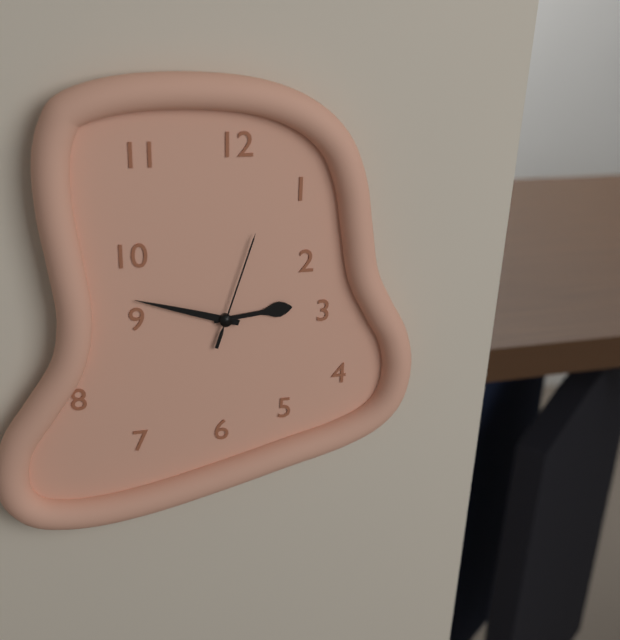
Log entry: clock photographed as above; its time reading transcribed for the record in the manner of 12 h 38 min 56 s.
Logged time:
2 h 48 min 03 s
